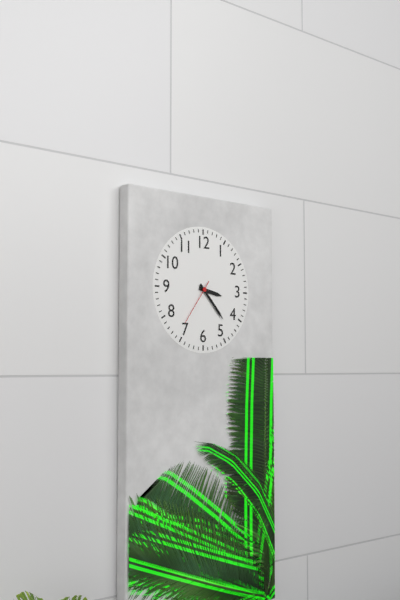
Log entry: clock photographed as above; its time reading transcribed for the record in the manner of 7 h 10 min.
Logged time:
3 h 23 min
